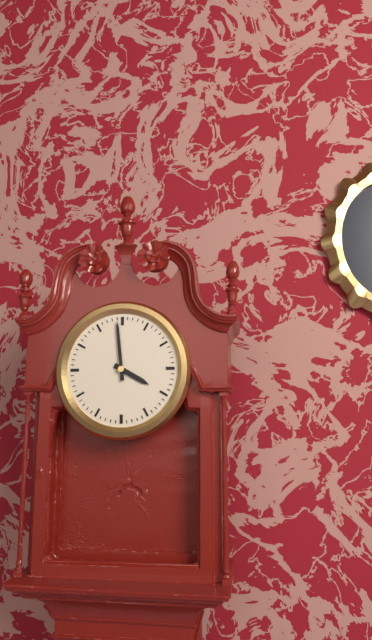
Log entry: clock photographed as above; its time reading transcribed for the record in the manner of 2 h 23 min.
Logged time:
3 h 59 min
